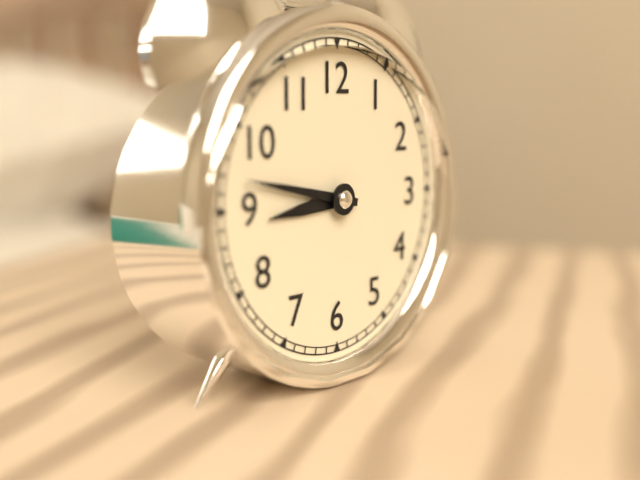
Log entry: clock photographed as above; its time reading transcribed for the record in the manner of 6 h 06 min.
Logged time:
8 h 47 min
